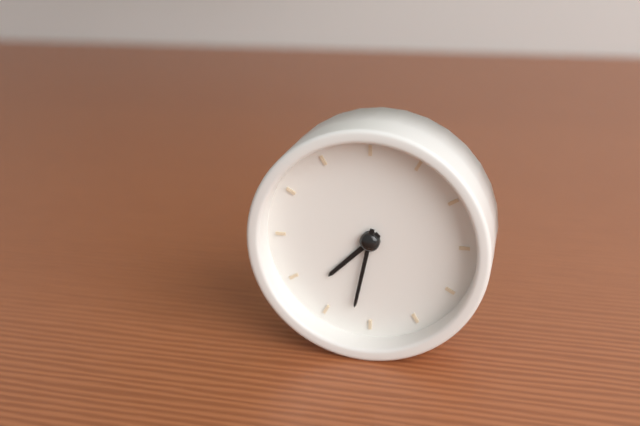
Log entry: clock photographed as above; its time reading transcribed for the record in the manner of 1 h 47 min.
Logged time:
7 h 32 min
